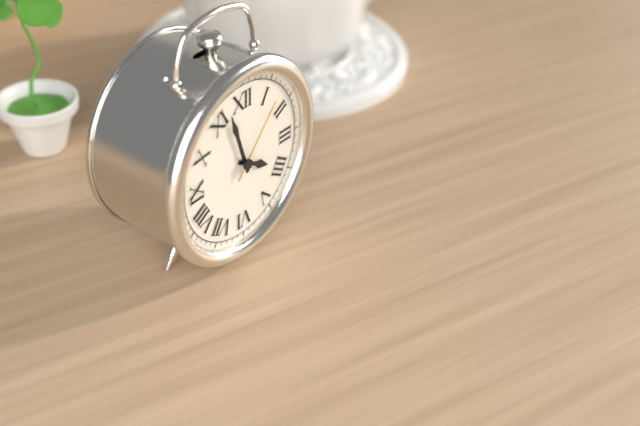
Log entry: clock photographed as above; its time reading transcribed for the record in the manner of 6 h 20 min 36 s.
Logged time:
3 h 57 min 07 s
